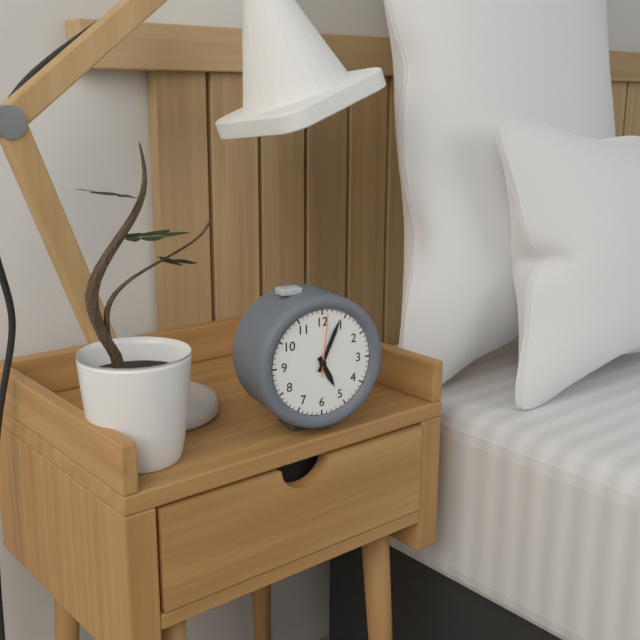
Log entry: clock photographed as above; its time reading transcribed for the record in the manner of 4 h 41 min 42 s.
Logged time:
5 h 04 min 01 s
